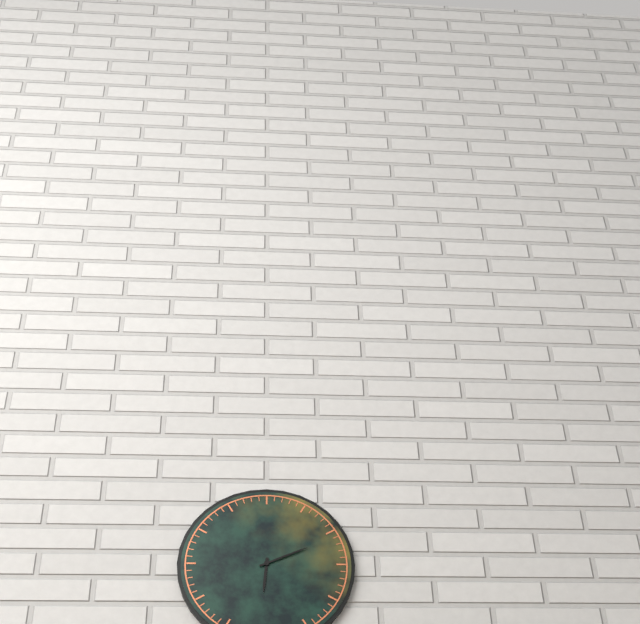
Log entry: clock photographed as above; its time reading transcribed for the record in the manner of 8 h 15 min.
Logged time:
6 h 11 min
